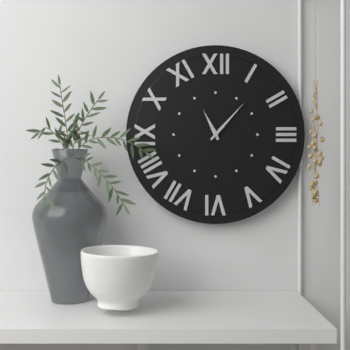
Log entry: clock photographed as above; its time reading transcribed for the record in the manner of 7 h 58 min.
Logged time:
11 h 07 min
